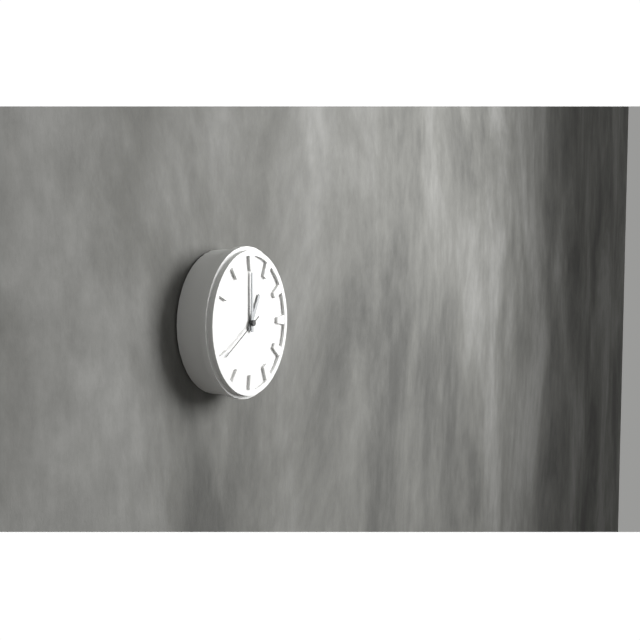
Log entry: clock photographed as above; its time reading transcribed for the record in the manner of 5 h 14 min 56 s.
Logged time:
1 h 00 min 40 s
